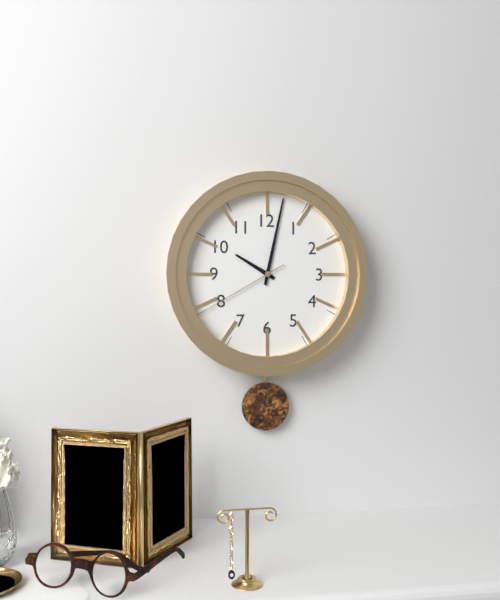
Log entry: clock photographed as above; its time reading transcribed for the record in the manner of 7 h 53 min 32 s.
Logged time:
10 h 02 min 40 s
